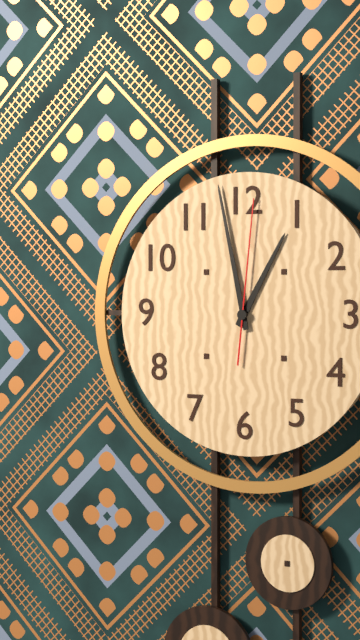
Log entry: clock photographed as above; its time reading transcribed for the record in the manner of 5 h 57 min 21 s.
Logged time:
12 h 58 min 01 s
